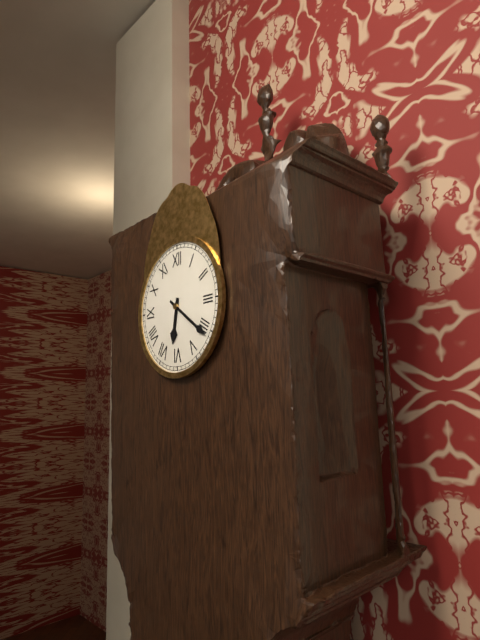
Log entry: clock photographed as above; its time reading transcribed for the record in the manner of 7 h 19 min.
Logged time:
6 h 21 min
